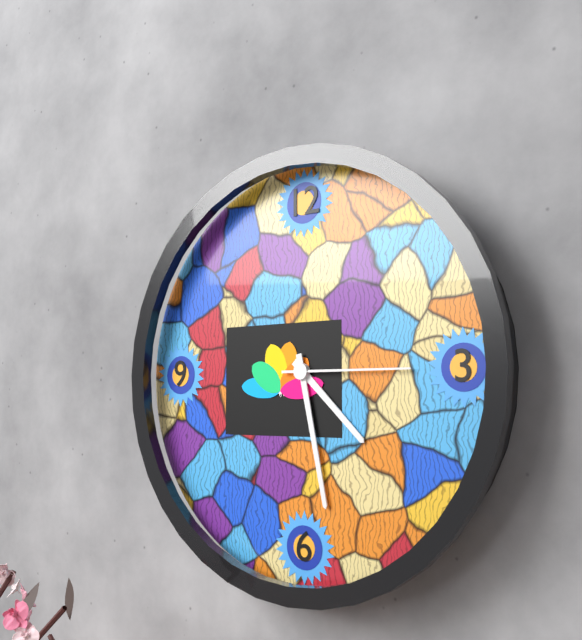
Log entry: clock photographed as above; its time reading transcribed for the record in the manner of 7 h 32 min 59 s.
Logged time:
4 h 28 min 15 s
